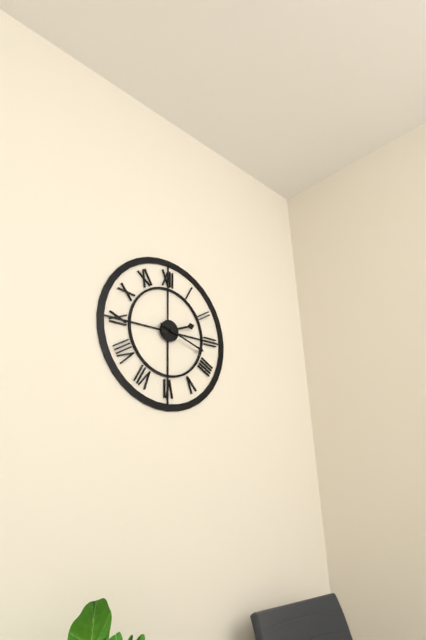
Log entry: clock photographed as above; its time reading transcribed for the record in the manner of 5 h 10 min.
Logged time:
2 h 18 min
